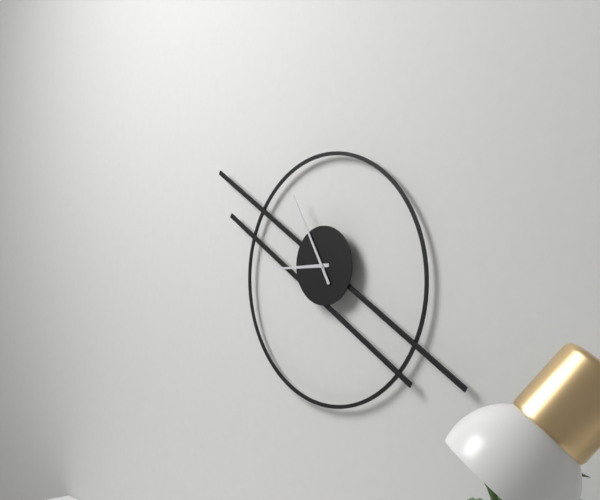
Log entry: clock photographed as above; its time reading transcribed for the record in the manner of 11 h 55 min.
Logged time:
8 h 55 min
